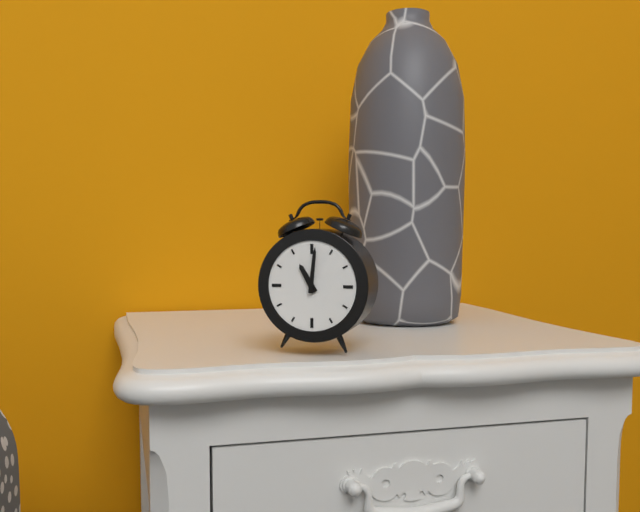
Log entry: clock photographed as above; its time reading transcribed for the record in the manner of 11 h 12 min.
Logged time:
11 h 01 min
